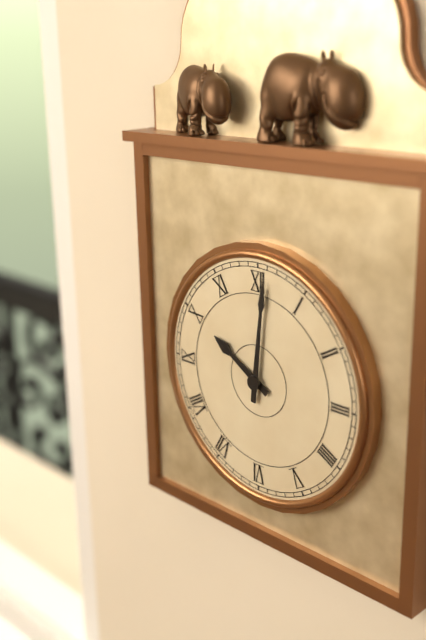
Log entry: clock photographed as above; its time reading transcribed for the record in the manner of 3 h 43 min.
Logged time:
10 h 01 min
